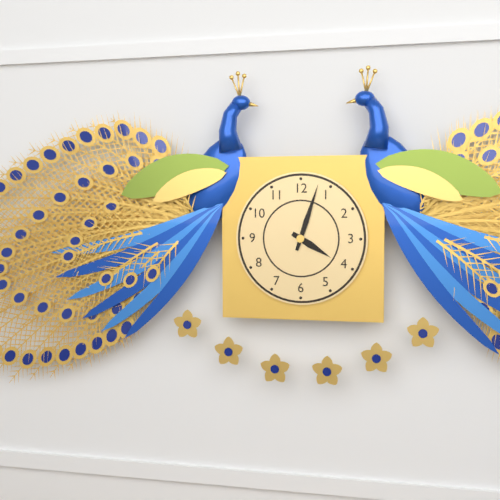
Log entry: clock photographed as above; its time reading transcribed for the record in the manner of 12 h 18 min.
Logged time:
4 h 03 min
